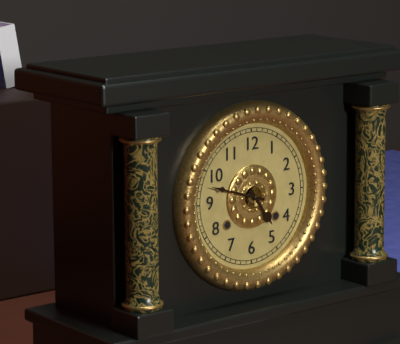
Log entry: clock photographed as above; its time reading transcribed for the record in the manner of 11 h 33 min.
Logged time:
4 h 48 min
